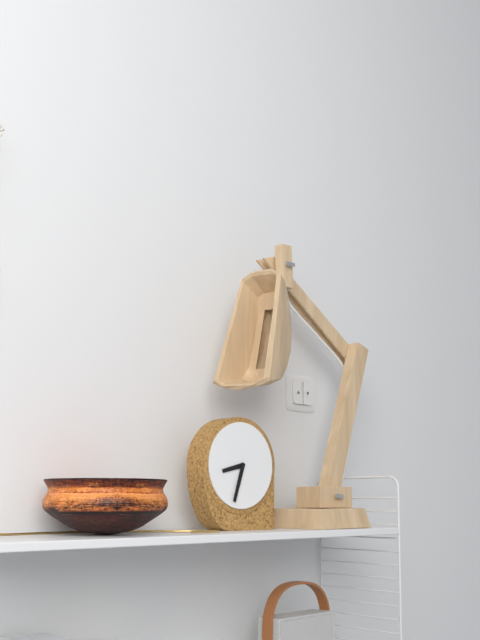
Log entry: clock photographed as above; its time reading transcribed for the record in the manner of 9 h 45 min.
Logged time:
8 h 33 min
